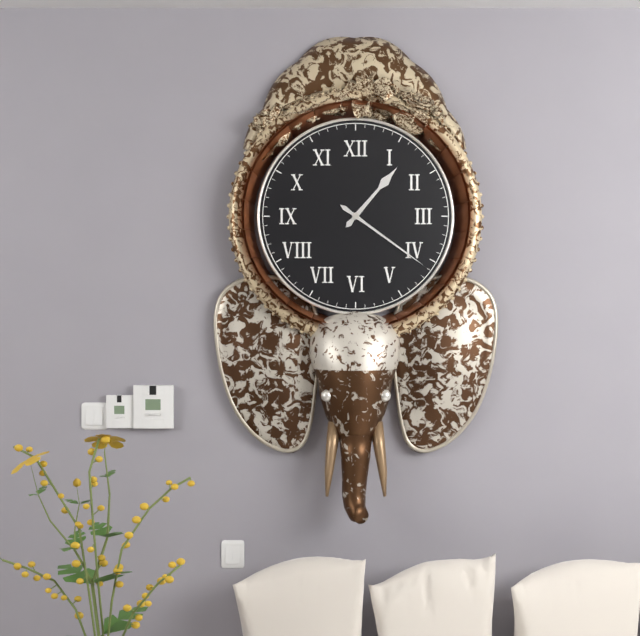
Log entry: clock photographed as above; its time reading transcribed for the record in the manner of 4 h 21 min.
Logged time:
1 h 21 min
